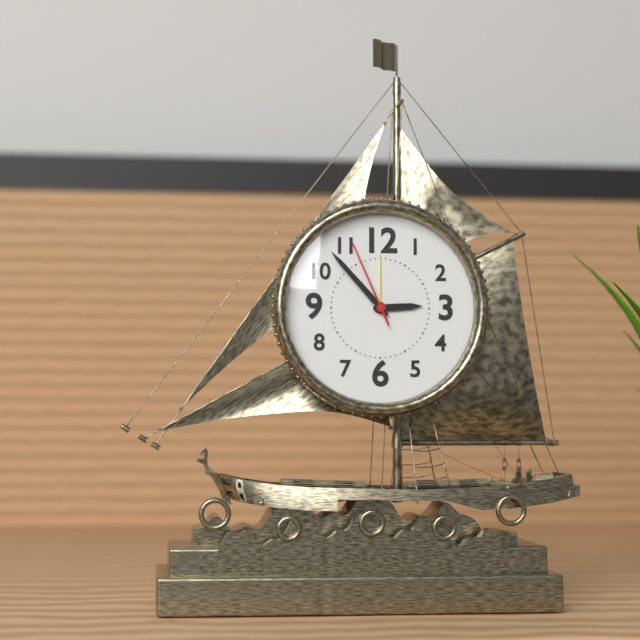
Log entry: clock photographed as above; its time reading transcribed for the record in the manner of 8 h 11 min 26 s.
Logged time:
2 h 53 min 56 s
